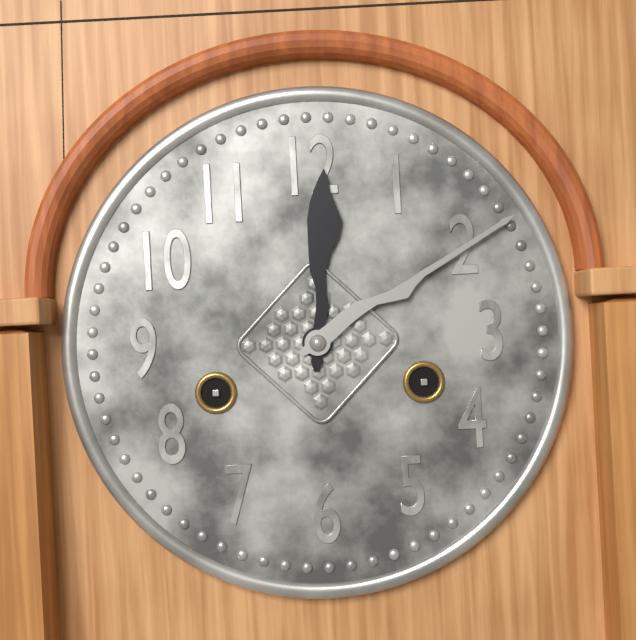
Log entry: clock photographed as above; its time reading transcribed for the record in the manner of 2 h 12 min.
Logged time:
12 h 10 min
